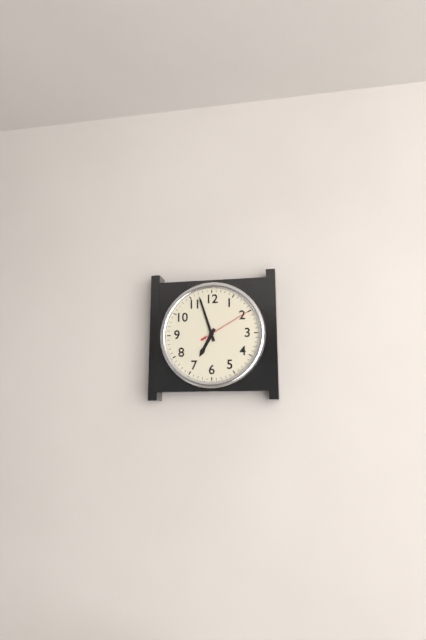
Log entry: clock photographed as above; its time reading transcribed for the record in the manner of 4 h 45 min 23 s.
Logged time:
6 h 57 min 10 s
